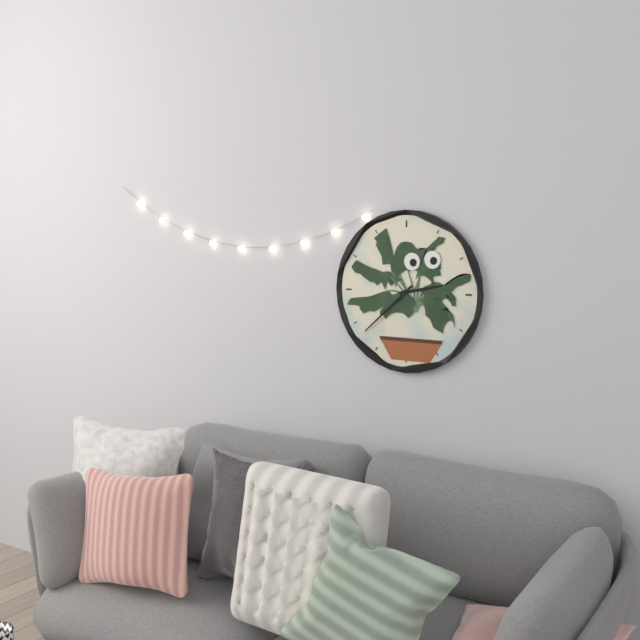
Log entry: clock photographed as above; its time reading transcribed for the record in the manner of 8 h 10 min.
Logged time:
2 h 38 min
